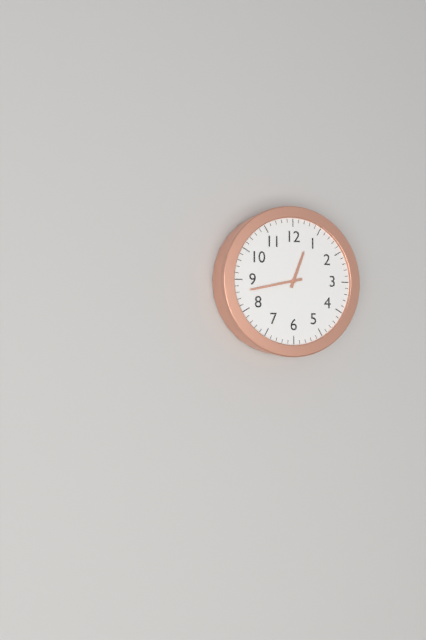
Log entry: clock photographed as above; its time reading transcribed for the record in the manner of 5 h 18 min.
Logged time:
12 h 43 min
